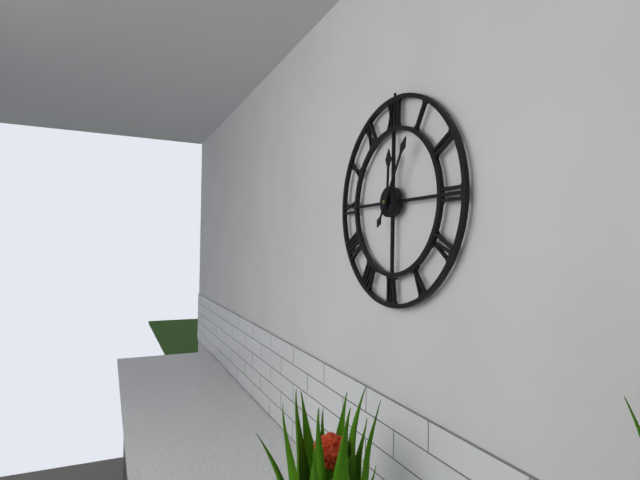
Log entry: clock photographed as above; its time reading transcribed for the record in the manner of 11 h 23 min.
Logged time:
12 h 05 min
